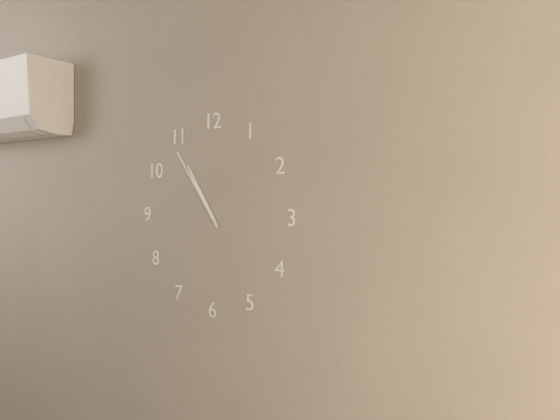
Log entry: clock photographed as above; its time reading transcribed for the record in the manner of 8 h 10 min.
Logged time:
10 h 54 min
